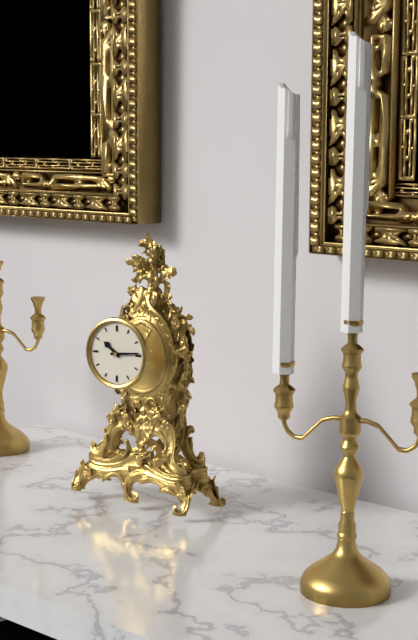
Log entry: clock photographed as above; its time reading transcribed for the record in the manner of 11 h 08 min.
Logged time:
10 h 14 min
